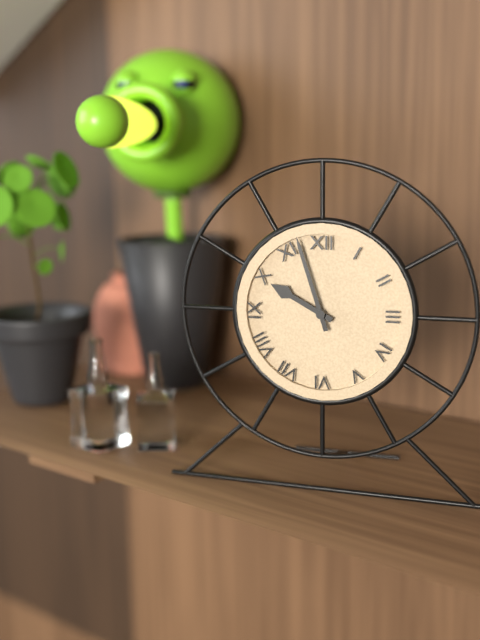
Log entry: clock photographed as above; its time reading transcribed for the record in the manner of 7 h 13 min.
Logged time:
9 h 57 min
